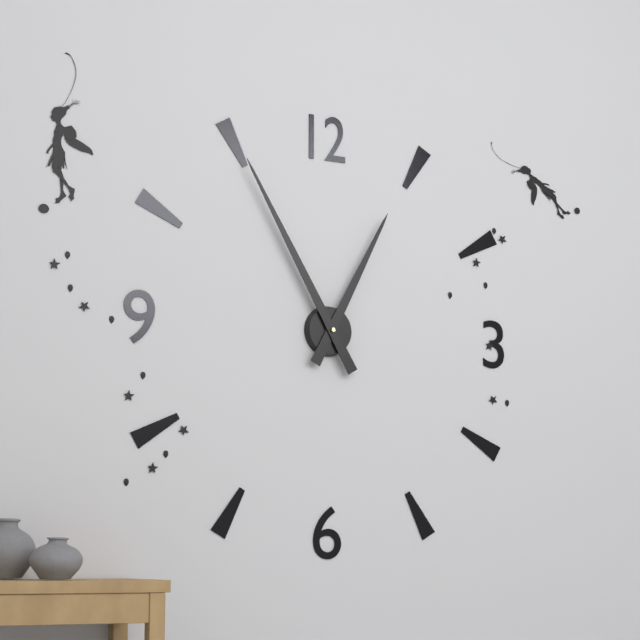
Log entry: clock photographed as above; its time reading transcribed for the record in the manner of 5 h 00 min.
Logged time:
12 h 55 min
